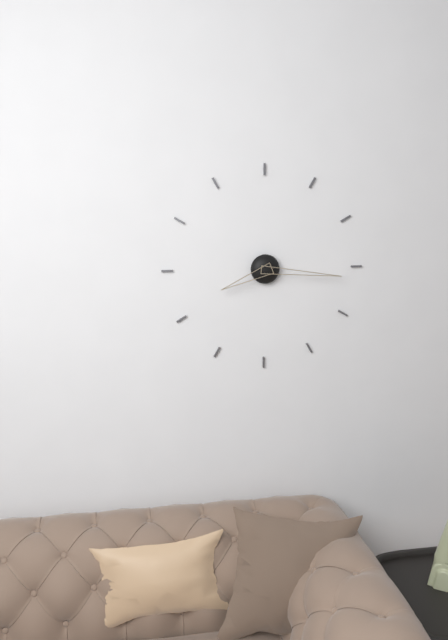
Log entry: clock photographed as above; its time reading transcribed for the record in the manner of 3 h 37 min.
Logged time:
8 h 16 min
